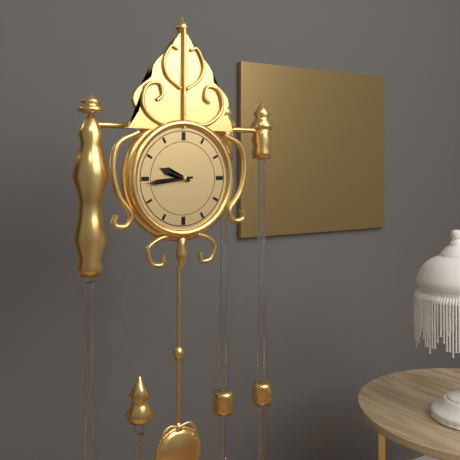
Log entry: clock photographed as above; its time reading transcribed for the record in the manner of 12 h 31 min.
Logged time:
9 h 44 min
